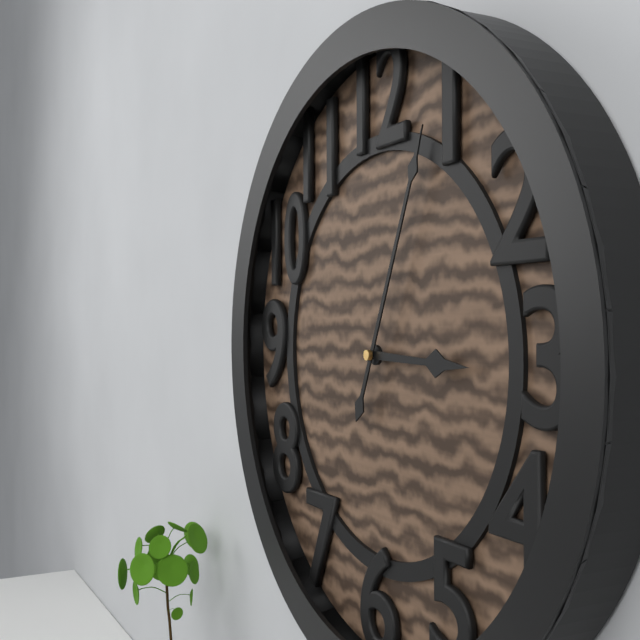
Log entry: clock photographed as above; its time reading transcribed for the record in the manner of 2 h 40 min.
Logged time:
3 h 04 min
